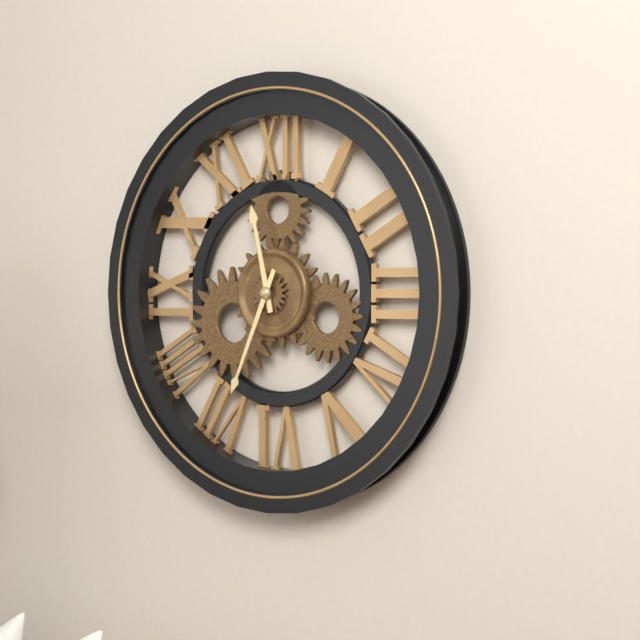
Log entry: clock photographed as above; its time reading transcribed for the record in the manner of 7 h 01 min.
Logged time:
11 h 34 min
